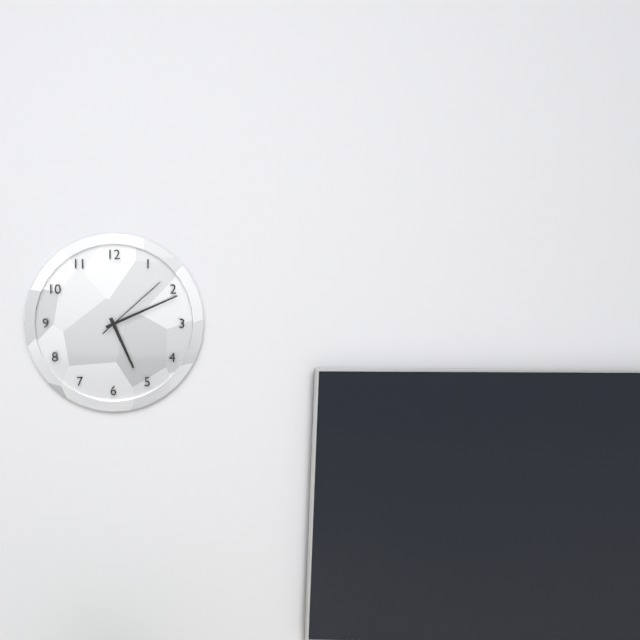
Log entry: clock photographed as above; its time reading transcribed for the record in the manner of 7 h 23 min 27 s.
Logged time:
5 h 11 min 08 s
